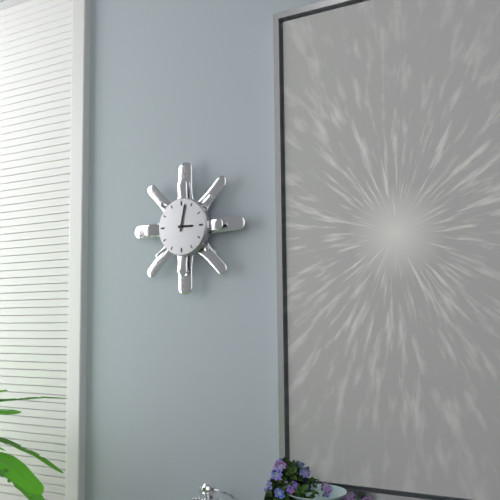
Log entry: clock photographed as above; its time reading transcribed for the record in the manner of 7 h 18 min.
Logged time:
3 h 02 min
